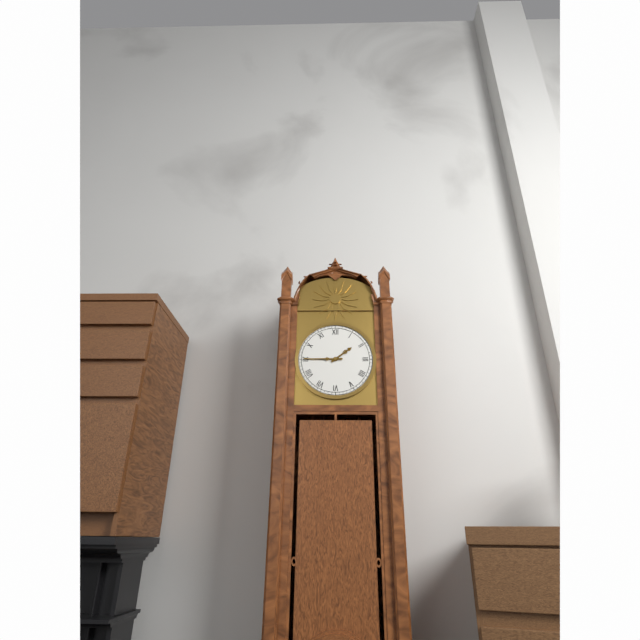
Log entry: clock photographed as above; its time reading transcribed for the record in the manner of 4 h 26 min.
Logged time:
1 h 45 min
